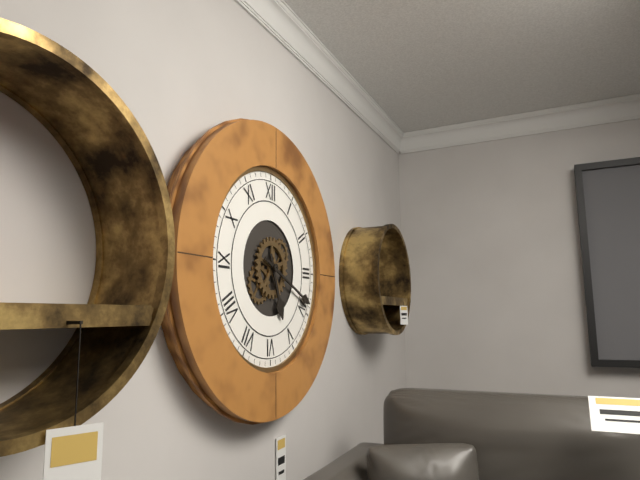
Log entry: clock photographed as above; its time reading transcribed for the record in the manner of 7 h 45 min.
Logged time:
5 h 19 min
